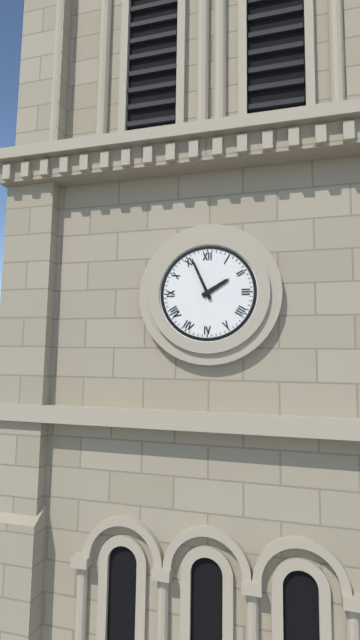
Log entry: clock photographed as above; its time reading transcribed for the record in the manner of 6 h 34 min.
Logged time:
1 h 56 min
